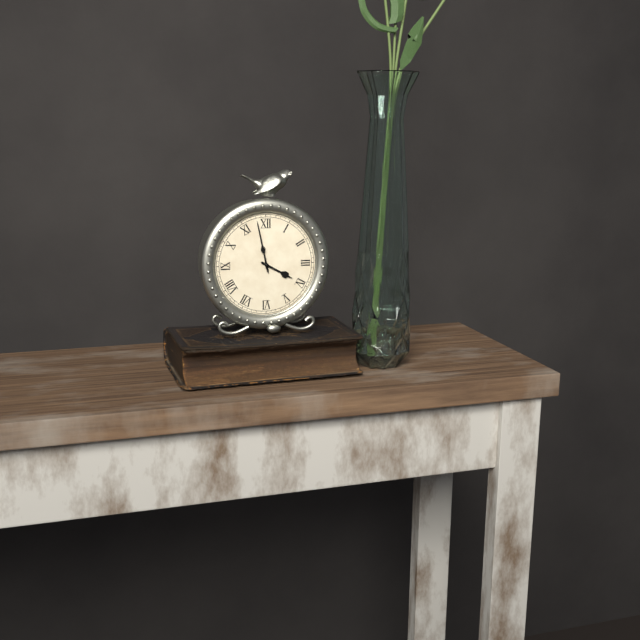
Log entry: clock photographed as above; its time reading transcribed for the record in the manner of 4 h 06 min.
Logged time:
3 h 58 min
